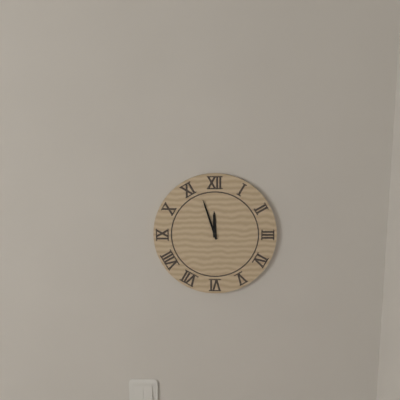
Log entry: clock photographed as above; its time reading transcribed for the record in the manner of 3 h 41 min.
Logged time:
11 h 57 min
